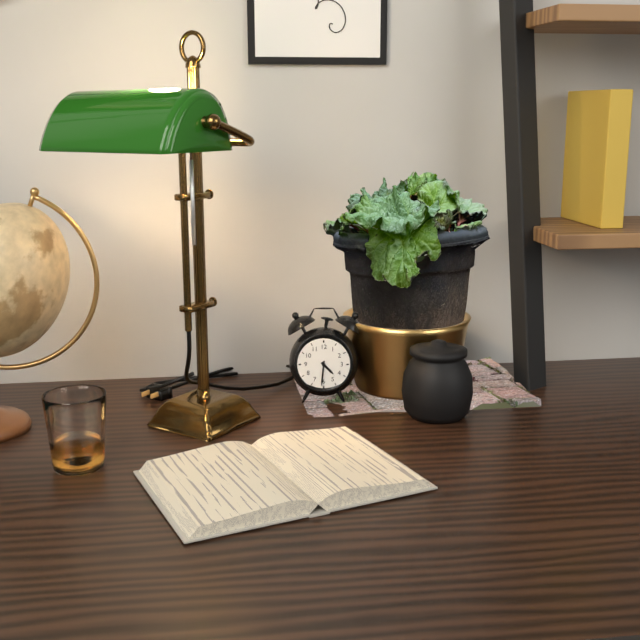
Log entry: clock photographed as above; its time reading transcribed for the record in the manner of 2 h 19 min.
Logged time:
4 h 31 min
